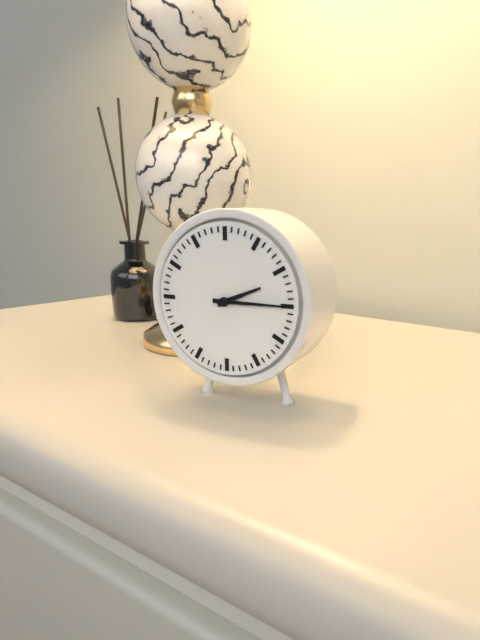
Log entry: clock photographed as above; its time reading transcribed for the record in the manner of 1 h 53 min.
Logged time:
2 h 15 min
